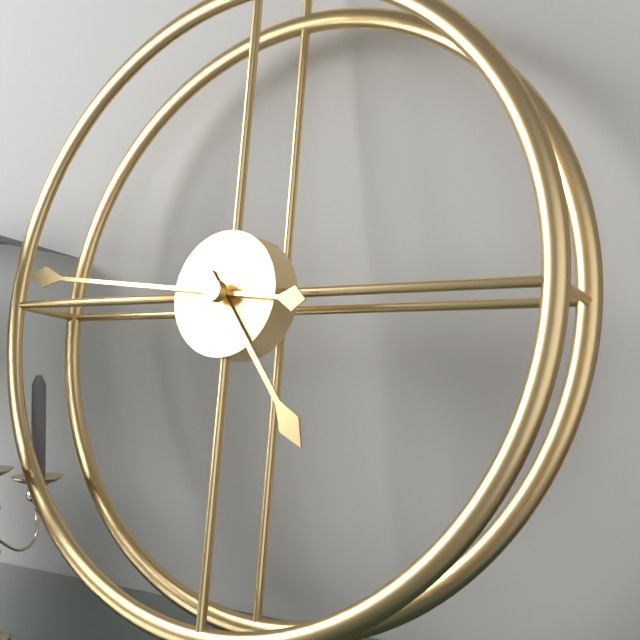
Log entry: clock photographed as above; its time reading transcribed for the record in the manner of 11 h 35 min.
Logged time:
4 h 46 min
